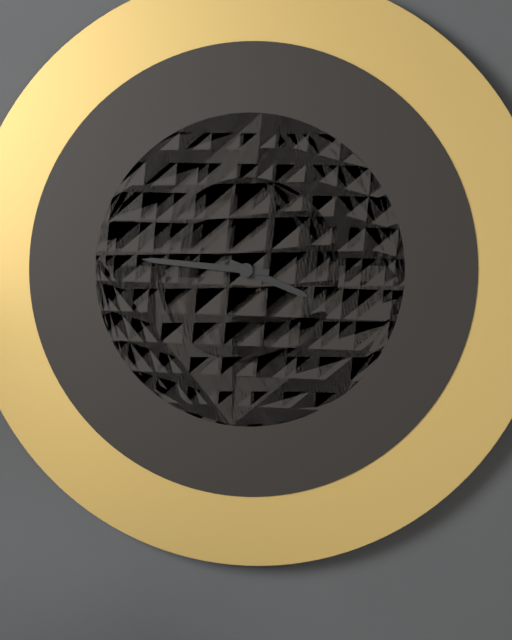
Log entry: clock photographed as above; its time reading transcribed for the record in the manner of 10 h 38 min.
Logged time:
3 h 46 min
